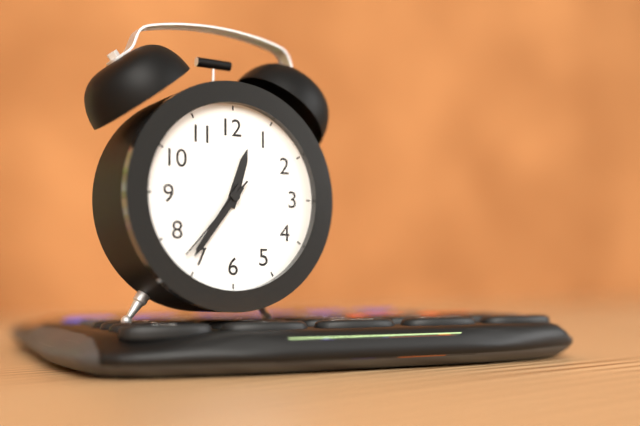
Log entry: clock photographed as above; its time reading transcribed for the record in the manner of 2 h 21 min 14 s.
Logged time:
12 h 36 min 37 s
